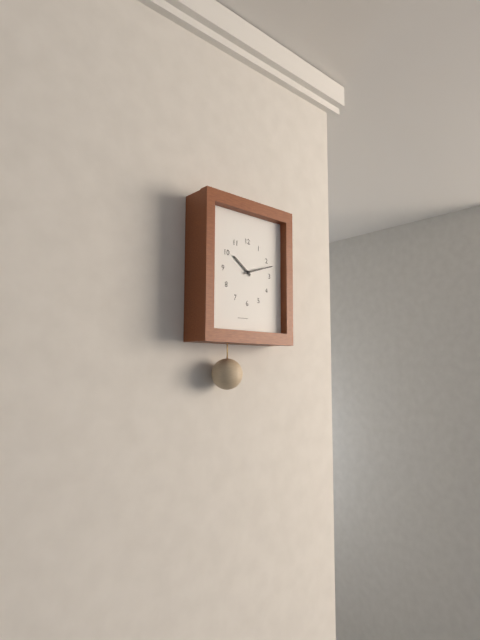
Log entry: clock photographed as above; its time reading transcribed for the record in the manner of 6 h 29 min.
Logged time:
10 h 12 min
